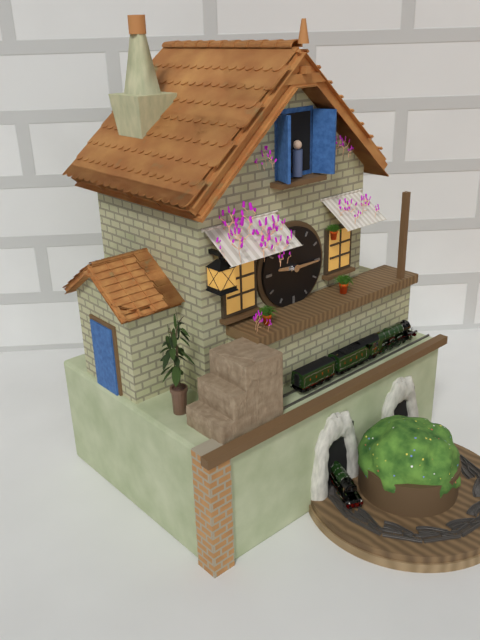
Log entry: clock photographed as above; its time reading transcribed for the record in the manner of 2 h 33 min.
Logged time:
9 h 15 min
